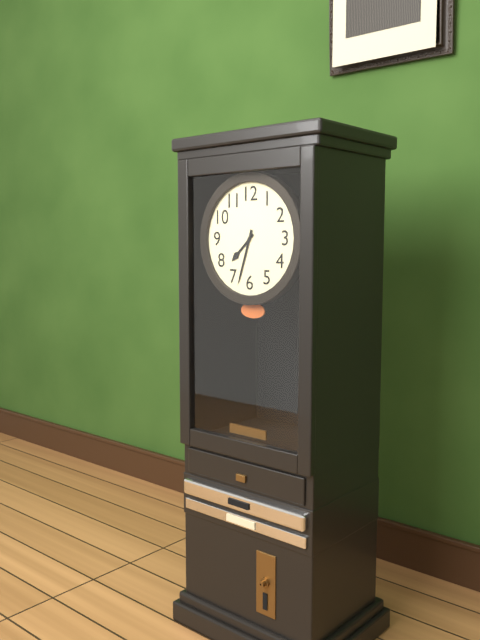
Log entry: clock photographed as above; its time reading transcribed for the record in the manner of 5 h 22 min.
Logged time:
7 h 33 min
